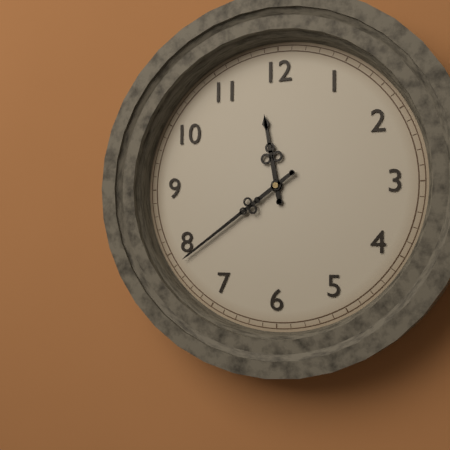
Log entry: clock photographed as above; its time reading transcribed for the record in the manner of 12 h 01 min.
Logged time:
11 h 39 min
